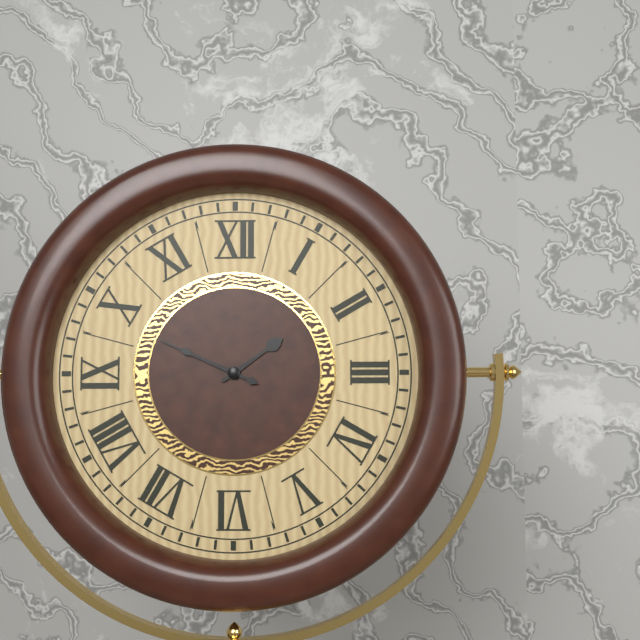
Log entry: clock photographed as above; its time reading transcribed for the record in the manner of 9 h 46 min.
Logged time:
1 h 49 min
